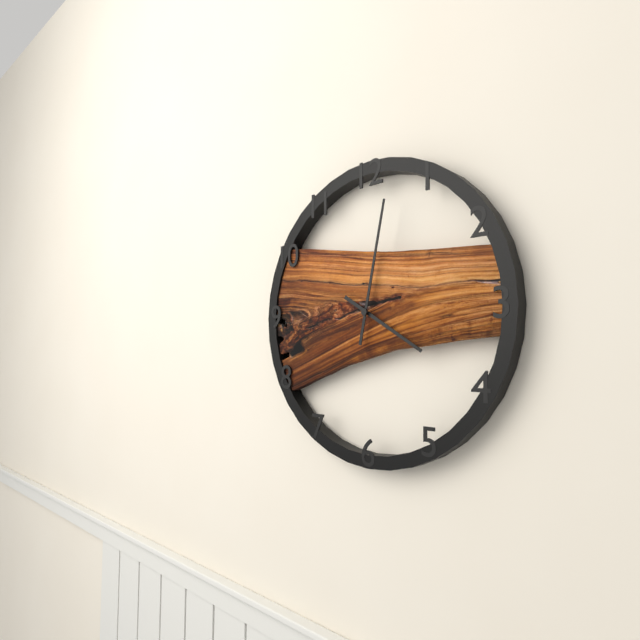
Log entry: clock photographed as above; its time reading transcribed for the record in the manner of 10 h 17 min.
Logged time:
4 h 02 min
